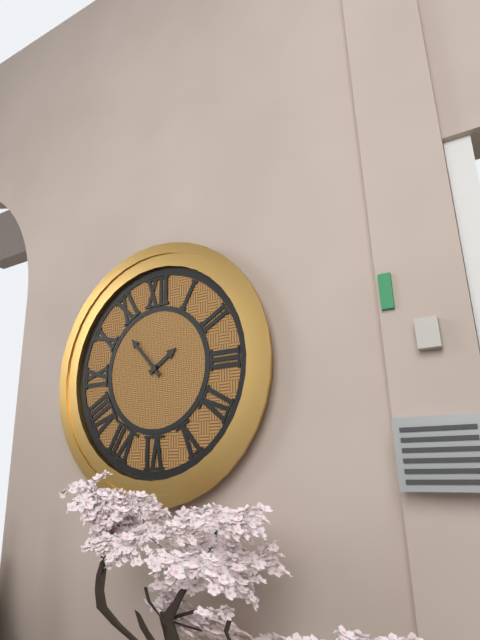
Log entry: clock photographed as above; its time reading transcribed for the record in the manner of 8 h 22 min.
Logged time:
1 h 53 min
